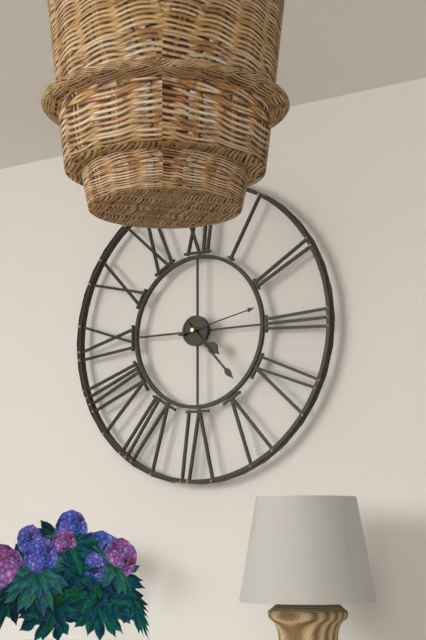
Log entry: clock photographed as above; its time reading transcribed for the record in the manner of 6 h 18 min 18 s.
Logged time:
4 h 23 min 13 s
